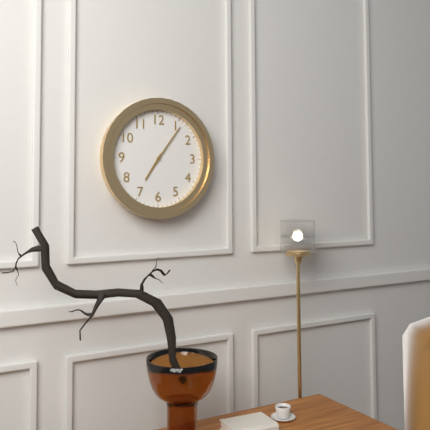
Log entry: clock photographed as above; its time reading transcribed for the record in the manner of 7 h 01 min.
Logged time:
7 h 06 min
